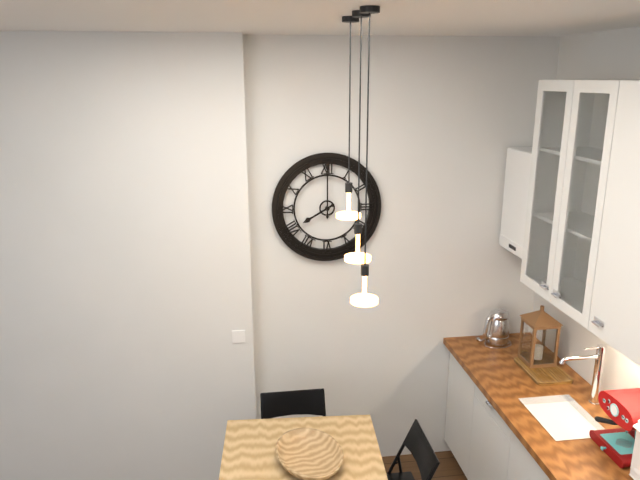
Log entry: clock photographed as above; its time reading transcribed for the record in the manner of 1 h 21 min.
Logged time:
8 h 00 min
